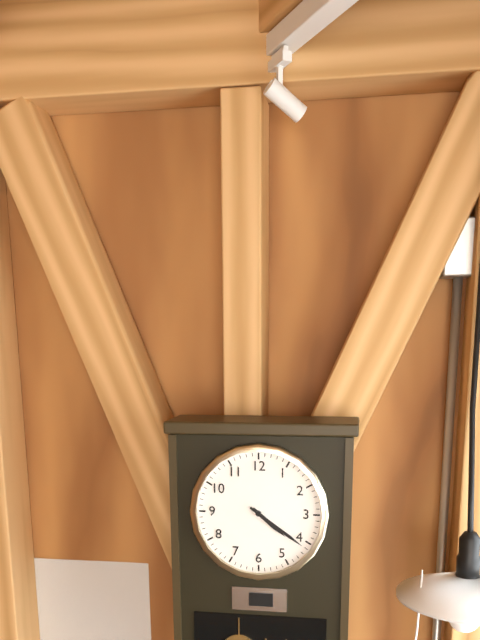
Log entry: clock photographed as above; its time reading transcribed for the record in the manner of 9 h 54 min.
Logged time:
4 h 21 min
